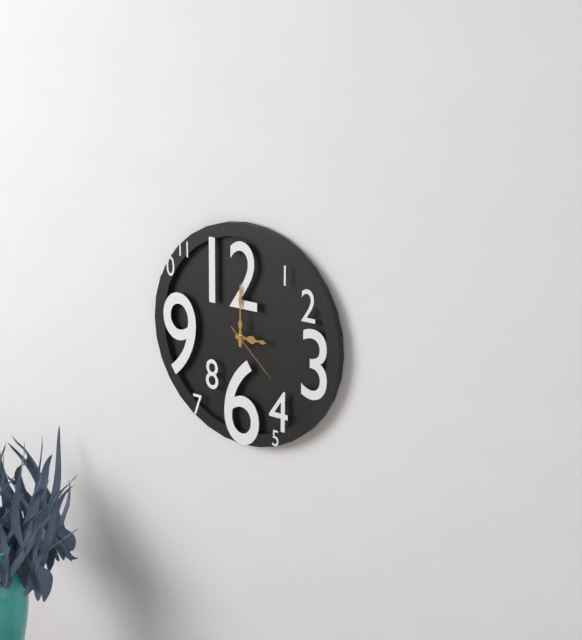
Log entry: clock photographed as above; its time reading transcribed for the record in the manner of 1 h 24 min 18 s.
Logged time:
3 h 00 min 22 s
